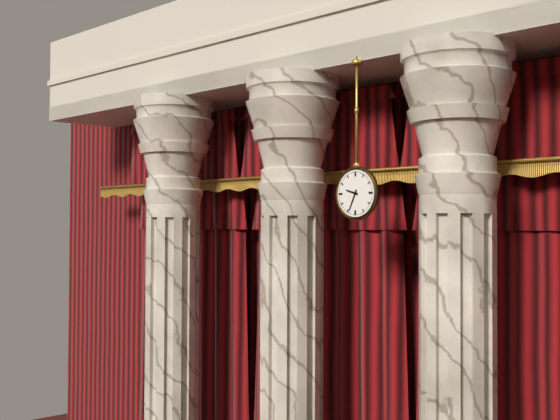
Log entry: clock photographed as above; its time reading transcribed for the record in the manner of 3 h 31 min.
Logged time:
9 h 34 min
